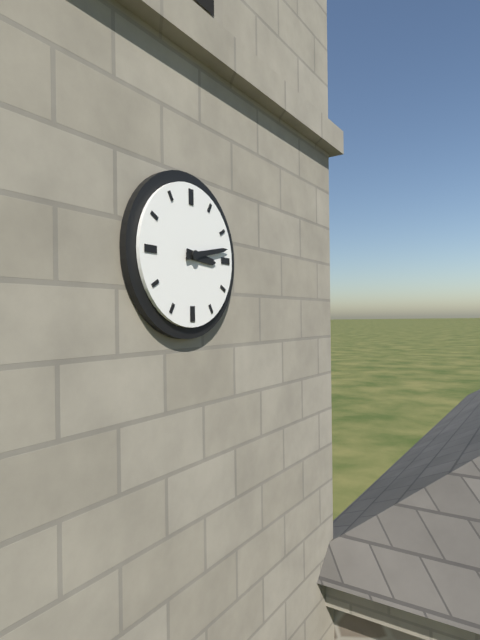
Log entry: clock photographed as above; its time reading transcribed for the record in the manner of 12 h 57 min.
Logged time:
3 h 13 min
